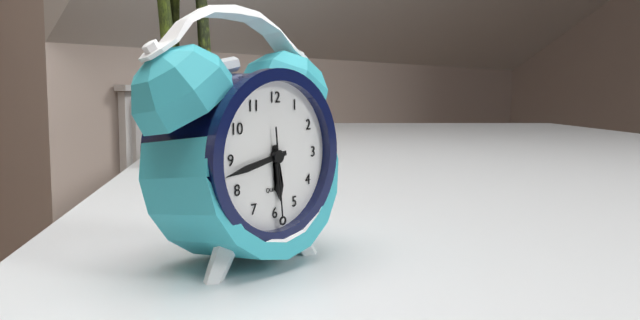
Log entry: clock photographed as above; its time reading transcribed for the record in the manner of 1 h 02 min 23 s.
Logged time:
5 h 43 min 29 s
